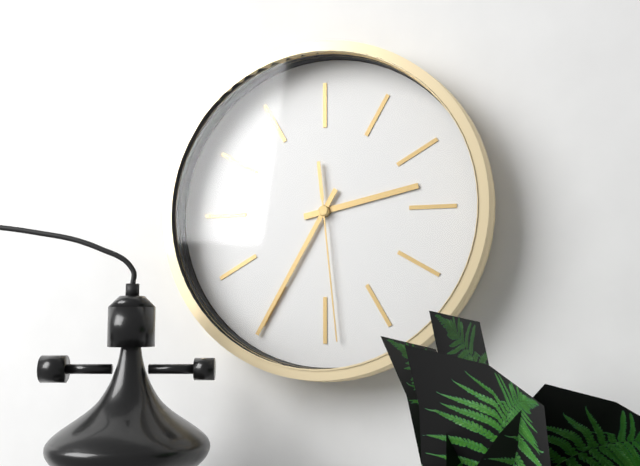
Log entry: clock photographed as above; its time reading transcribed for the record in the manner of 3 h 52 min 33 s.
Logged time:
2 h 35 min 29 s
